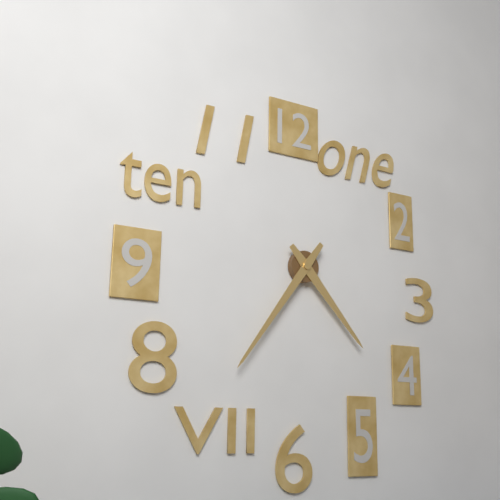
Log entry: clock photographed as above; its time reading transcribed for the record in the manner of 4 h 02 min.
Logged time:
4 h 36 min
